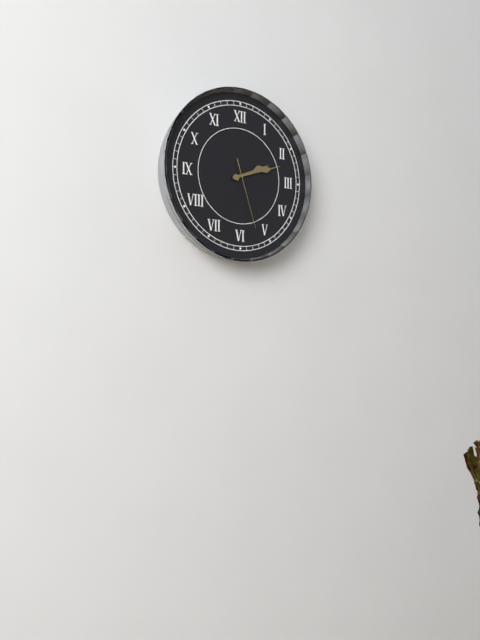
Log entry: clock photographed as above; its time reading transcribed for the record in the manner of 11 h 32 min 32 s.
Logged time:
2 h 12 min 27 s
